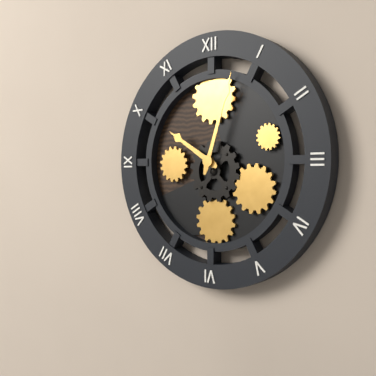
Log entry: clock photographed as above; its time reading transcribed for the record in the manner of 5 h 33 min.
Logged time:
10 h 03 min
